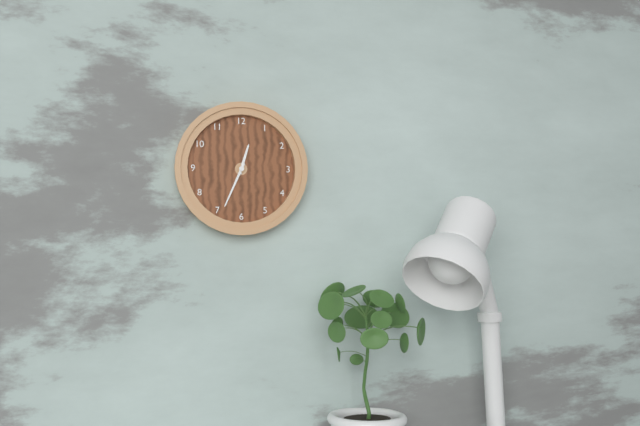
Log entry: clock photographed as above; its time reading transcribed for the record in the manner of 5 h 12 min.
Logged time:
12 h 34 min
